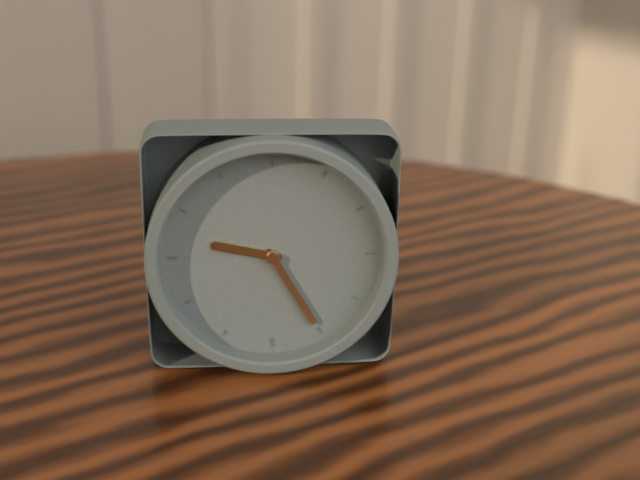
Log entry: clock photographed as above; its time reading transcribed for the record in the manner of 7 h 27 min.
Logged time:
9 h 25 min
